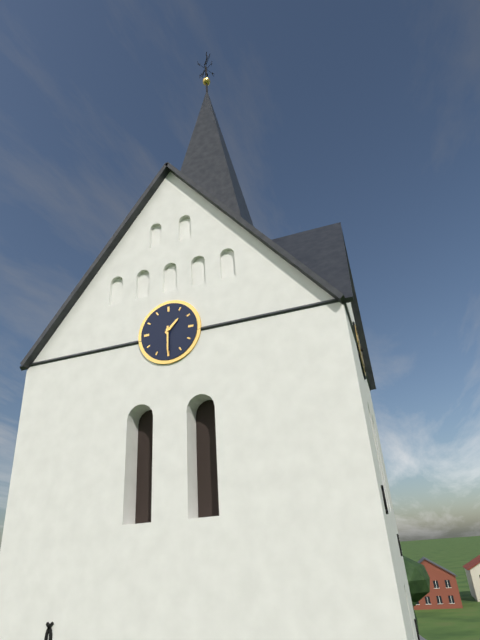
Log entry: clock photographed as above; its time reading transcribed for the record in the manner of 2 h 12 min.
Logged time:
1 h 30 min
